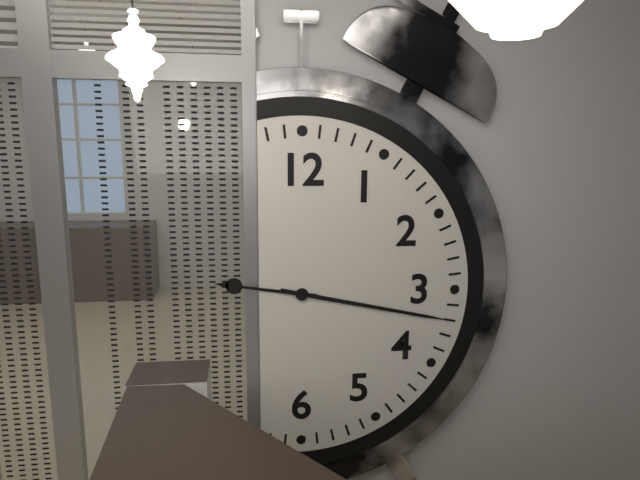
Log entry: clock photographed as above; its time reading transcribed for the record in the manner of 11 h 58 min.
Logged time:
9 h 17 min
